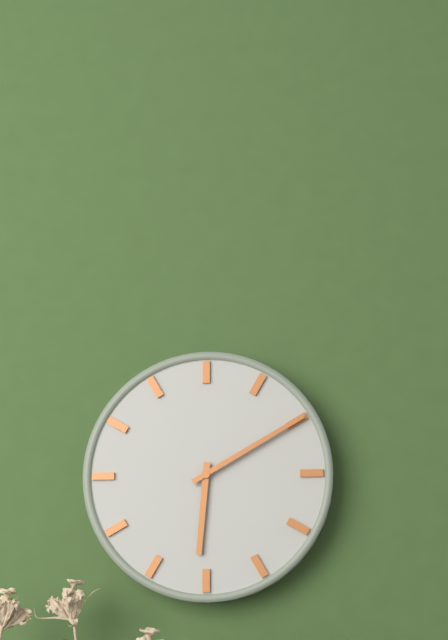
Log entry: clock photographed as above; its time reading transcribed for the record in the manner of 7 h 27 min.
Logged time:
6 h 10 min
